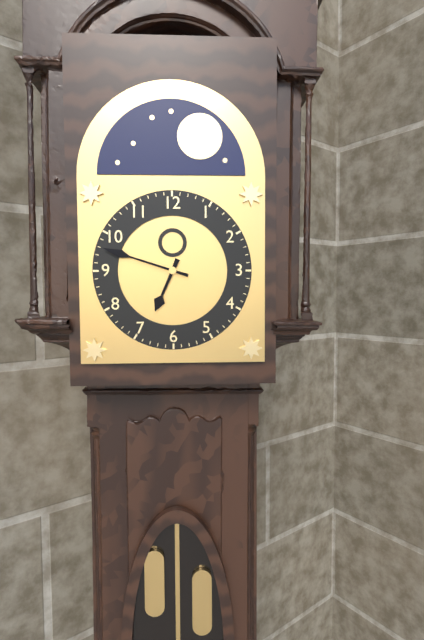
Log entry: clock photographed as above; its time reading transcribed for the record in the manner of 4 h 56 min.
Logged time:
6 h 48 min
